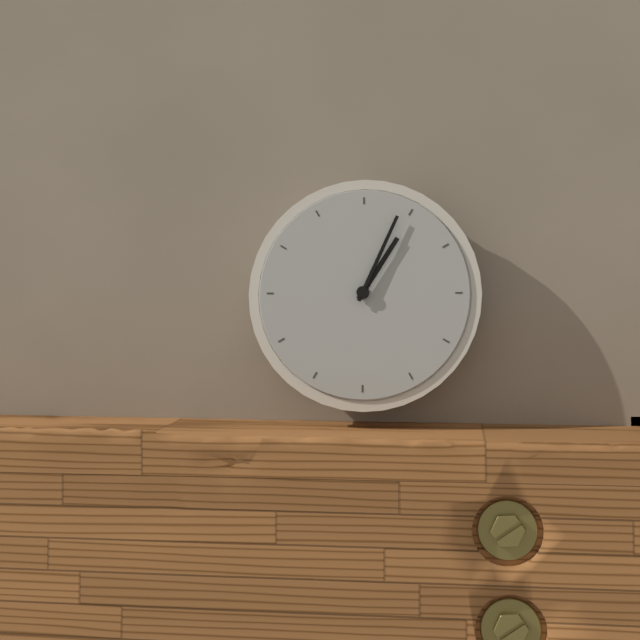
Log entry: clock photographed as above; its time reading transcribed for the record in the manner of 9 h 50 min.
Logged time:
1 h 04 min
